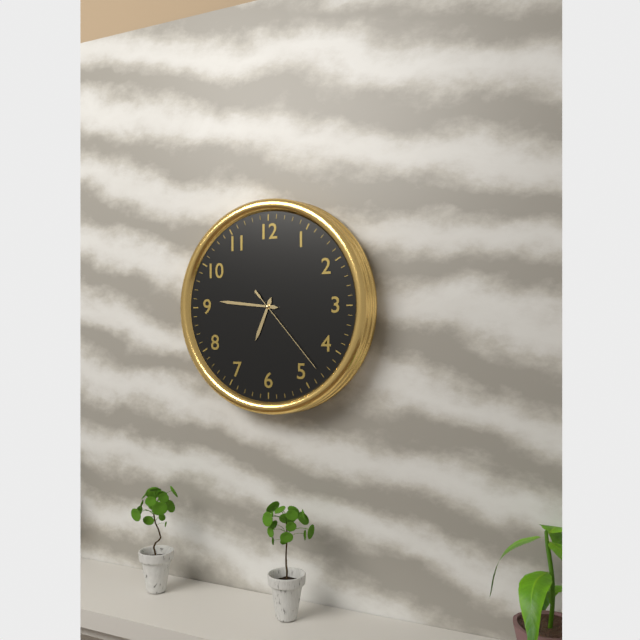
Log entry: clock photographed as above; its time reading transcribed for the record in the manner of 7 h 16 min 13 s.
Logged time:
6 h 46 min 23 s
